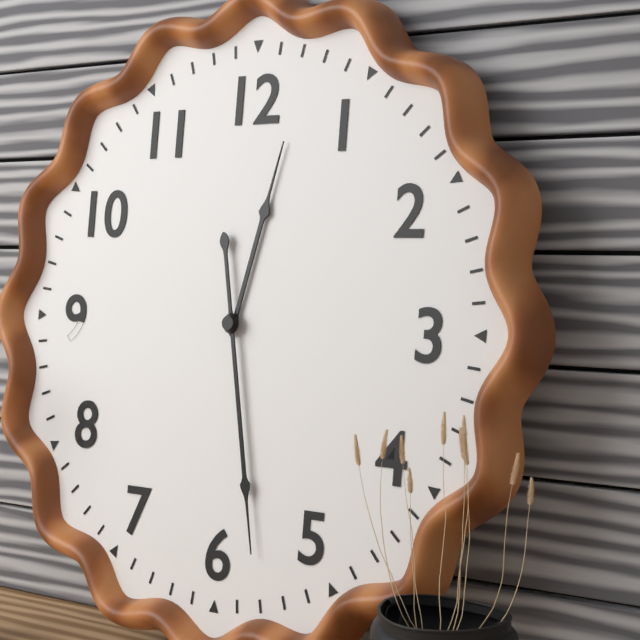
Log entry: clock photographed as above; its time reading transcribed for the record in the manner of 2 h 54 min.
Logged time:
12 h 28 min
